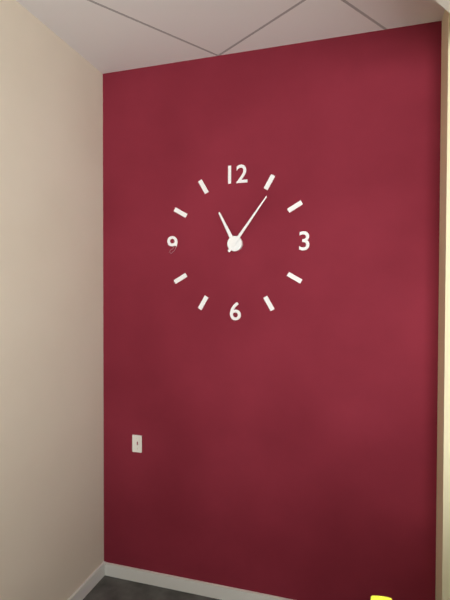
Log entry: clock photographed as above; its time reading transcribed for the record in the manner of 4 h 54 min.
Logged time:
11 h 06 min
